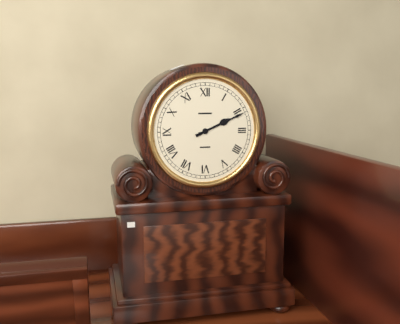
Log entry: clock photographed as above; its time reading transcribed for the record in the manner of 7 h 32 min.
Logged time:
2 h 11 min
